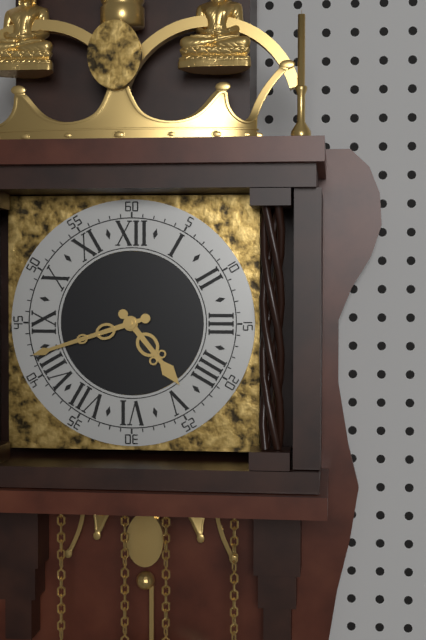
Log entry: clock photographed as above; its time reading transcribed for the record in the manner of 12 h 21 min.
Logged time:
4 h 42 min
